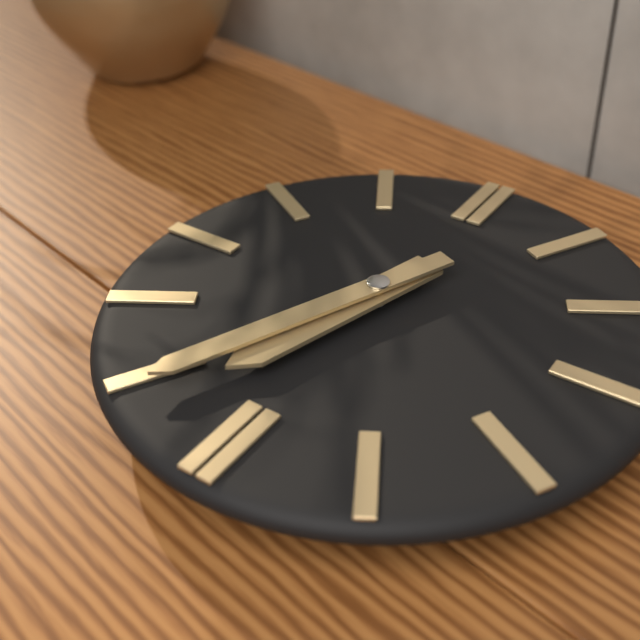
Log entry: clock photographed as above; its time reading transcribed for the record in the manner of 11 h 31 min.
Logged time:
6 h 34 min
